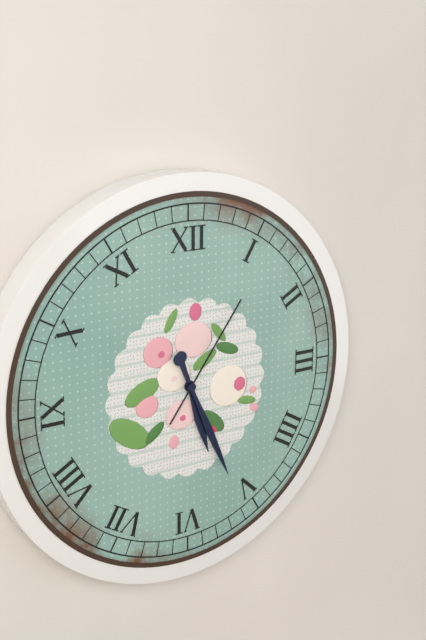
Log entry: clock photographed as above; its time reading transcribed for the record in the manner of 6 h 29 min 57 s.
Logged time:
5 h 26 min 06 s
